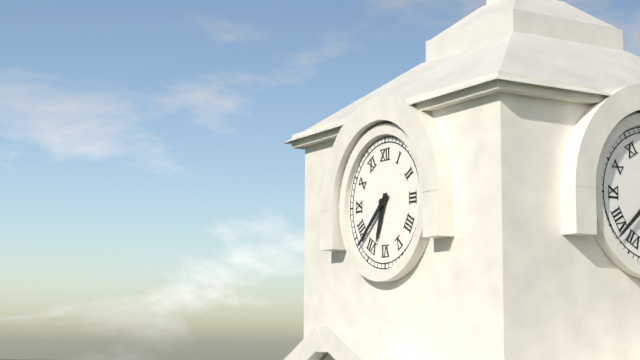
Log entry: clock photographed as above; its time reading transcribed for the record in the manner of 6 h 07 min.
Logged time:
6 h 38 min
